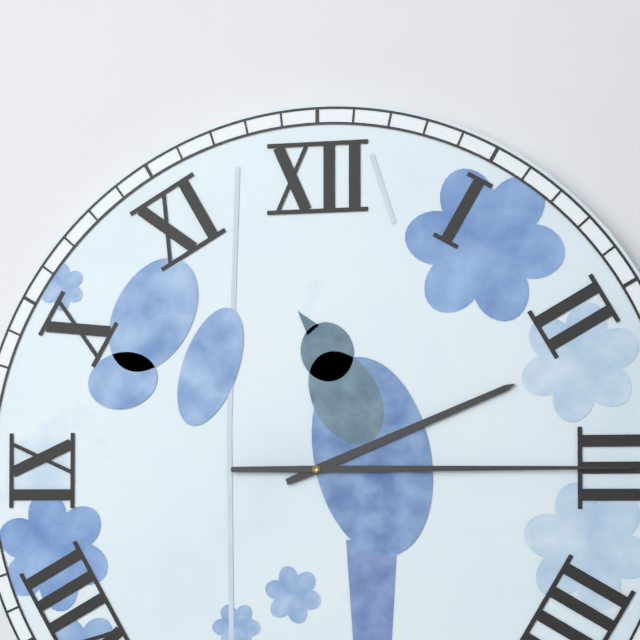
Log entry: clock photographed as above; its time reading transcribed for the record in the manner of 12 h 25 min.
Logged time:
2 h 15 min
